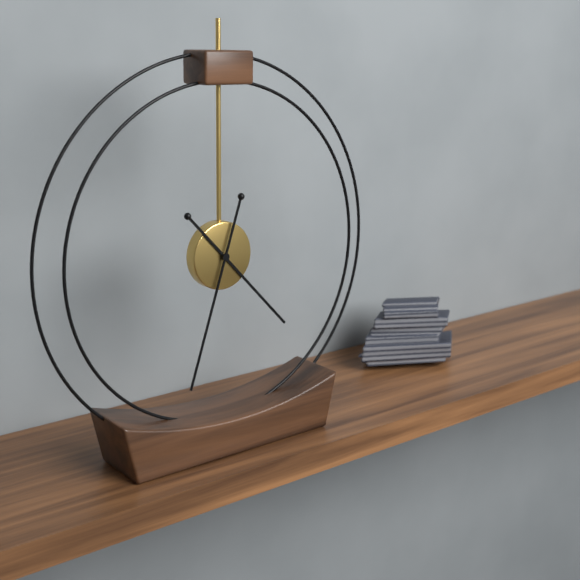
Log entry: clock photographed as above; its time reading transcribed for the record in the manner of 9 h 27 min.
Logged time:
4 h 33 min
